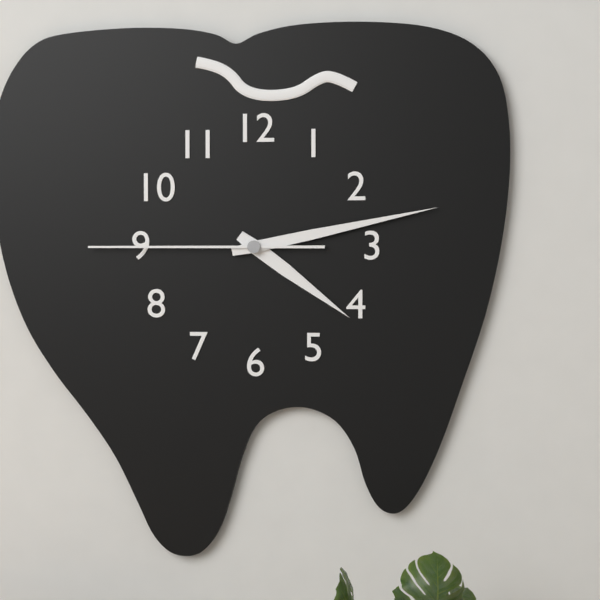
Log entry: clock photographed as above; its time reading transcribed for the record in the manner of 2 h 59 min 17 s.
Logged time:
4 h 13 min 45 s
